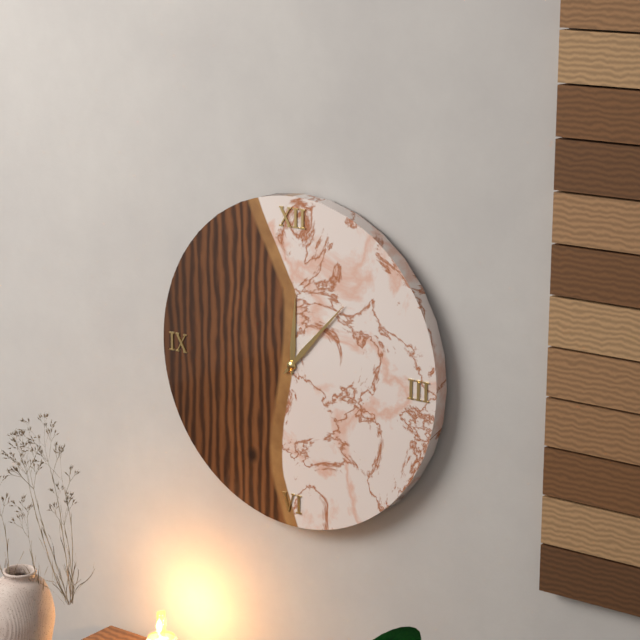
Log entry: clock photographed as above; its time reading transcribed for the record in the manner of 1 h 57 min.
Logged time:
12 h 07 min
